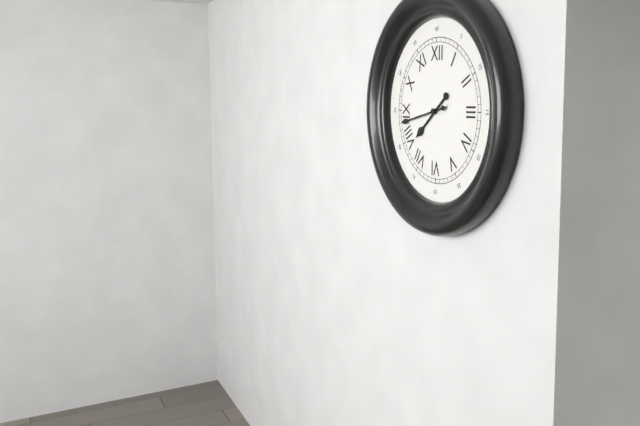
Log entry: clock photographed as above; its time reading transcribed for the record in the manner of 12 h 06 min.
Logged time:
7 h 43 min
